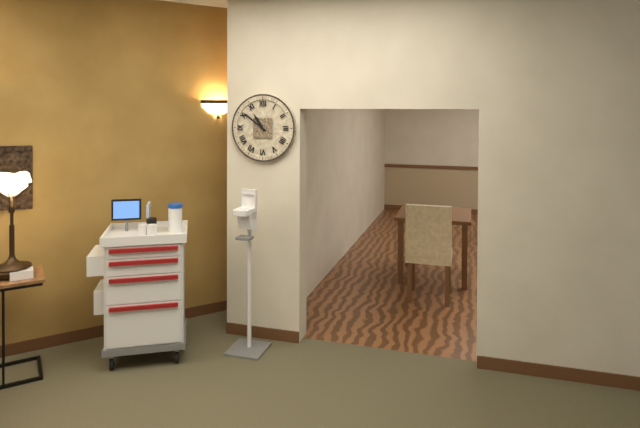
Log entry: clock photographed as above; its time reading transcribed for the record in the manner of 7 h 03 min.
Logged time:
10 h 51 min
